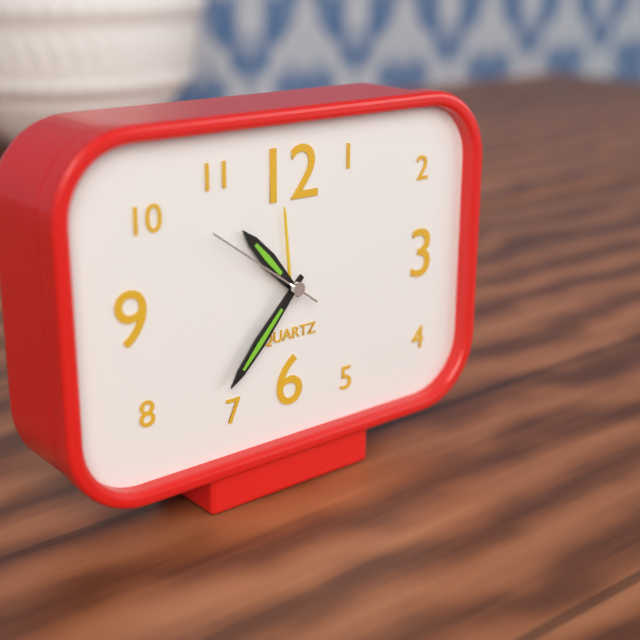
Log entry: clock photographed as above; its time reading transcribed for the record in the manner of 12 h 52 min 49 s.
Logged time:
10 h 37 min 51 s
